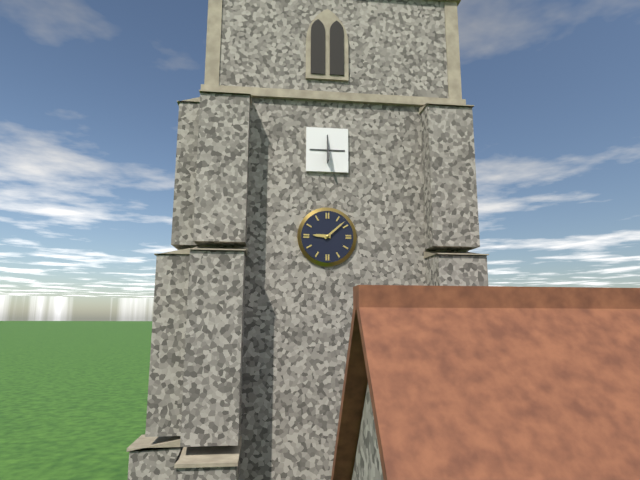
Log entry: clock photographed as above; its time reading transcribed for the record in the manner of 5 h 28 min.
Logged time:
9 h 08 min
